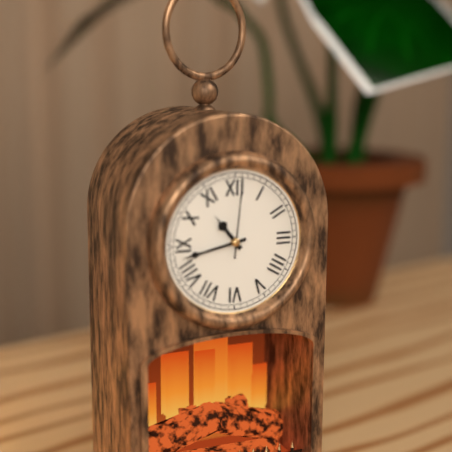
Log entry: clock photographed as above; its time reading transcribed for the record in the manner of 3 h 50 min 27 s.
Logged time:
10 h 43 min 01 s
